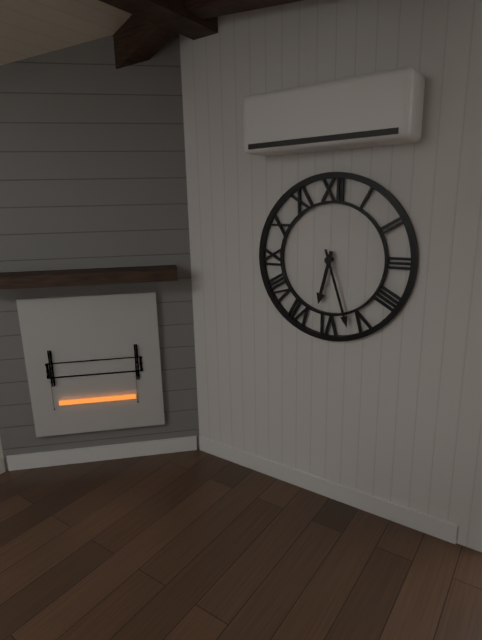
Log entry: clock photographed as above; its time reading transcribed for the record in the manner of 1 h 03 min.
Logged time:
6 h 27 min
